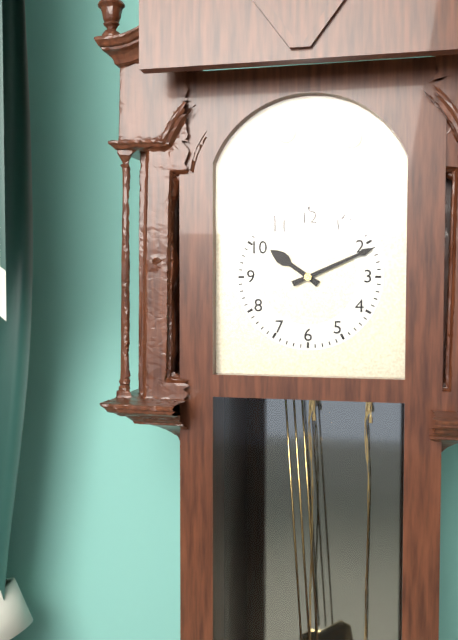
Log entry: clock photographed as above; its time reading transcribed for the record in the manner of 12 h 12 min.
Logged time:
10 h 11 min
